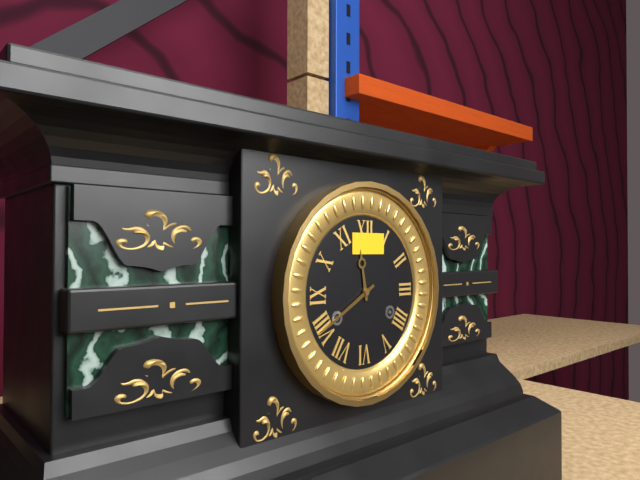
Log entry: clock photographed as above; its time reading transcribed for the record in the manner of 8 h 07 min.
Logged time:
11 h 40 min
